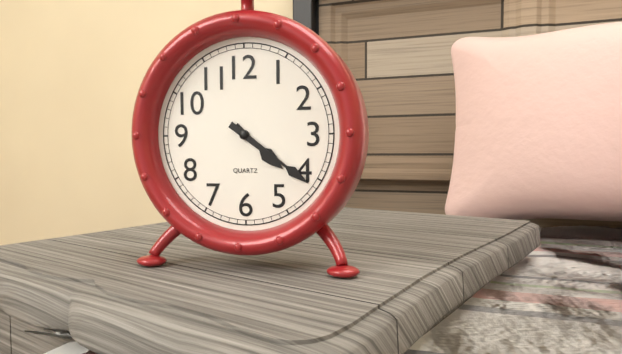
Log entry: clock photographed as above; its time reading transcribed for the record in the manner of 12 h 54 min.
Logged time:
4 h 21 min
